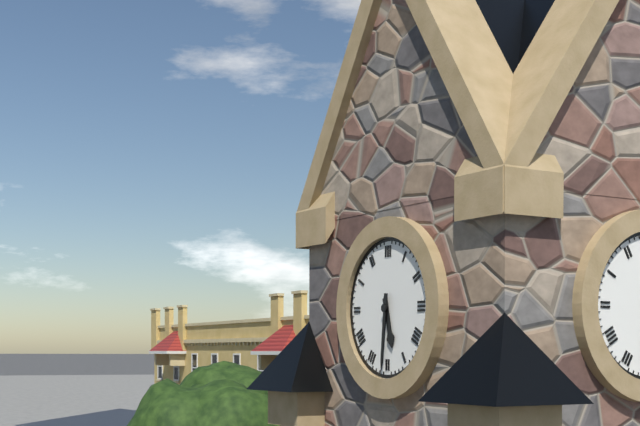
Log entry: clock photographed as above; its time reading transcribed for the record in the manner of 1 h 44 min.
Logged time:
5 h 31 min
